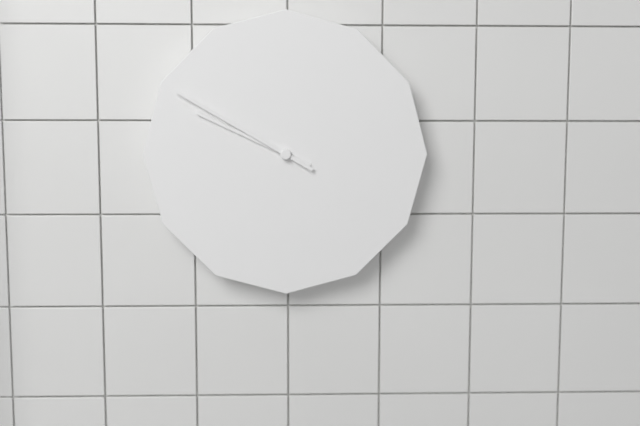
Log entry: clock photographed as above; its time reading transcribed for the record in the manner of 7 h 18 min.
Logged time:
9 h 50 min
